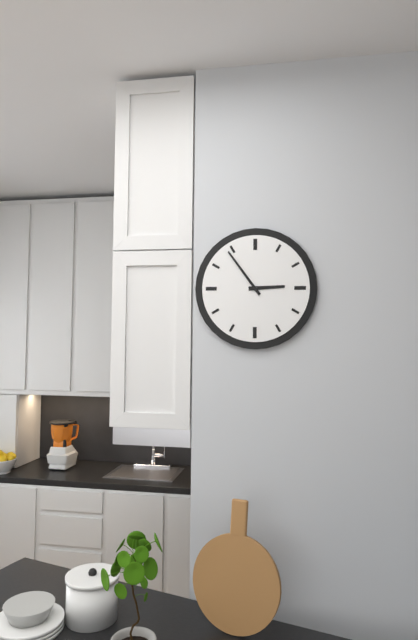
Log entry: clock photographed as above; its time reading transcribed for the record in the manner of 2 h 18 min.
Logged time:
2 h 54 min
